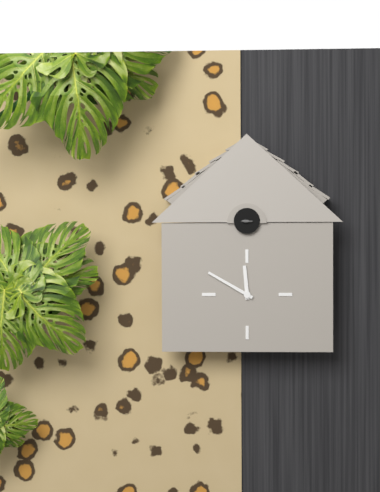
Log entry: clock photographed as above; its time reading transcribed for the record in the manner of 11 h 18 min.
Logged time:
11 h 50 min
